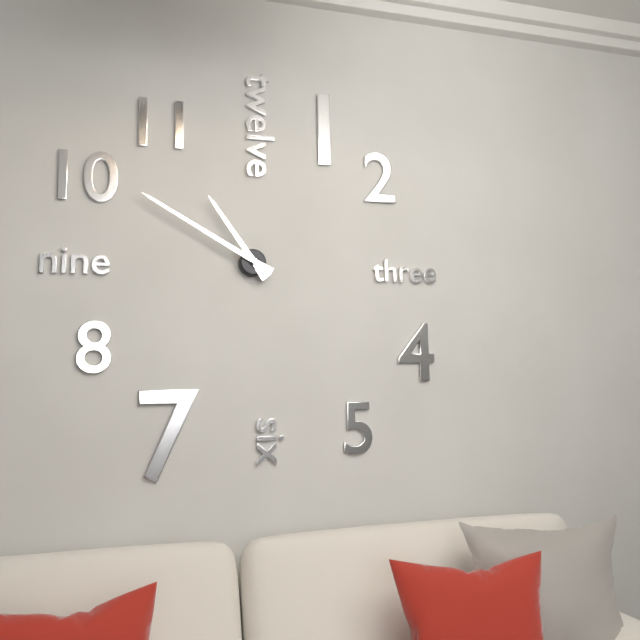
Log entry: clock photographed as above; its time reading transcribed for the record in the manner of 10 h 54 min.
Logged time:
10 h 50 min
